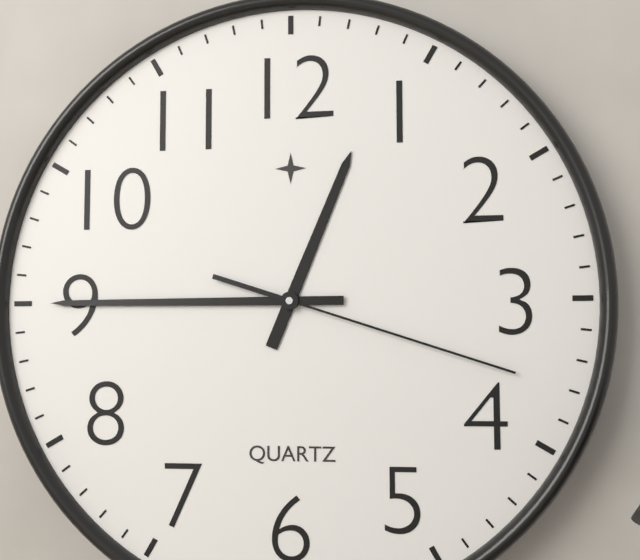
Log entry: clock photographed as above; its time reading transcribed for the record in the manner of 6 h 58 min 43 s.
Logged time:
12 h 45 min 18 s
